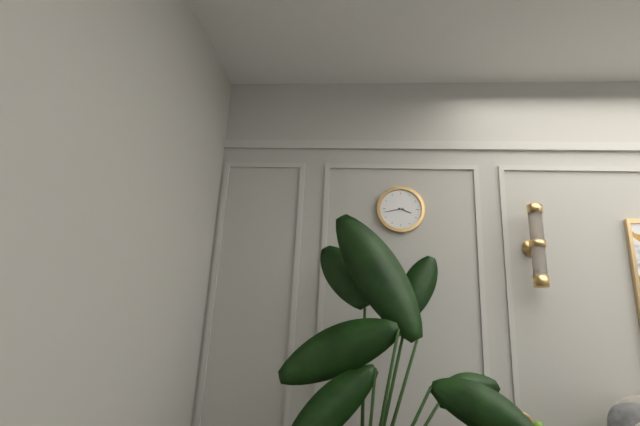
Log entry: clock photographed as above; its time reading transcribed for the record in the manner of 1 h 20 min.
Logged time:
3 h 43 min
